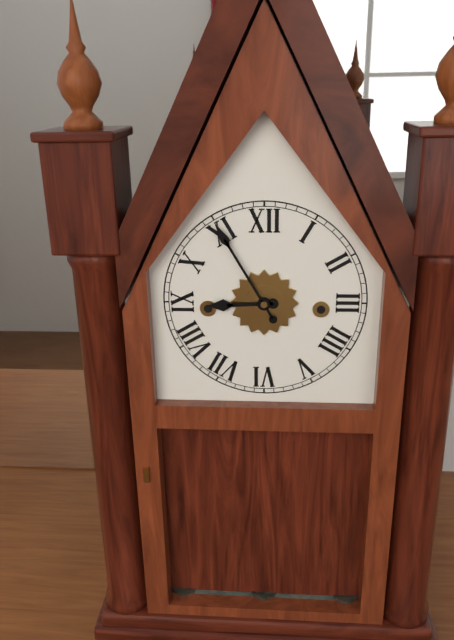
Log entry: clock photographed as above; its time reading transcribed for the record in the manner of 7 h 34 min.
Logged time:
8 h 55 min
